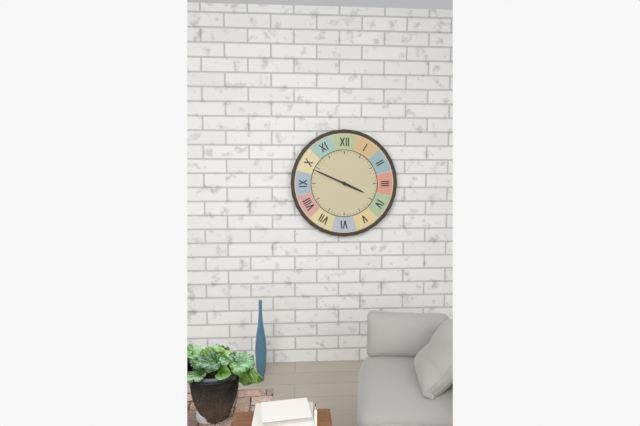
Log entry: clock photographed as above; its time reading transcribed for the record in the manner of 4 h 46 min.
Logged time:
3 h 49 min
